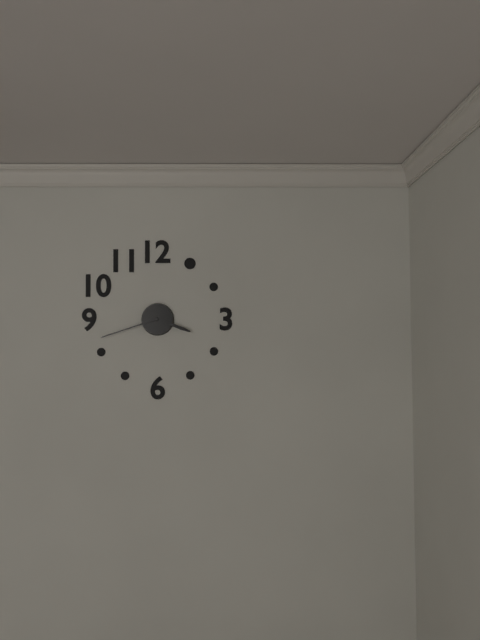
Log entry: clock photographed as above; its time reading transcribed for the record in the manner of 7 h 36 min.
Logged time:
3 h 42 min
